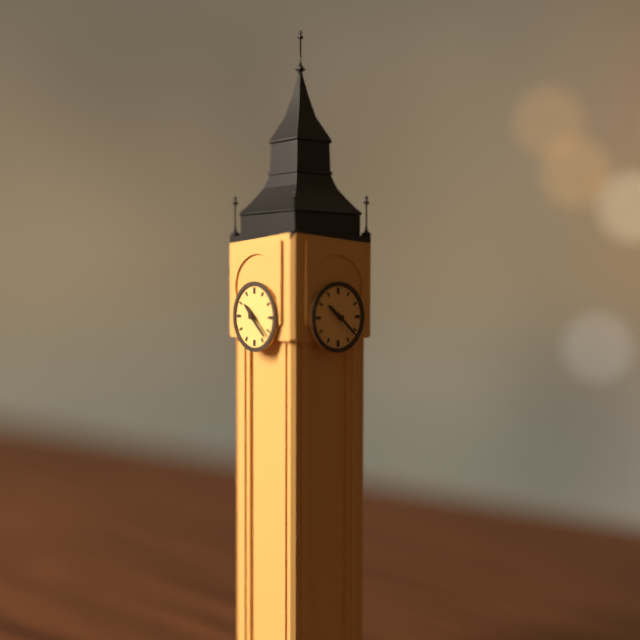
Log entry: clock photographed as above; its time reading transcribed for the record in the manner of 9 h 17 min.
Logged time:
10 h 22 min
